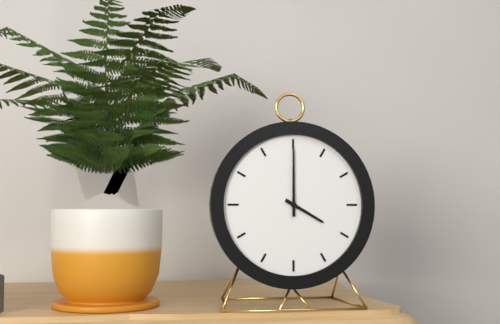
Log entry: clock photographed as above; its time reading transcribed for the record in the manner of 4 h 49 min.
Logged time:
4 h 00 min
